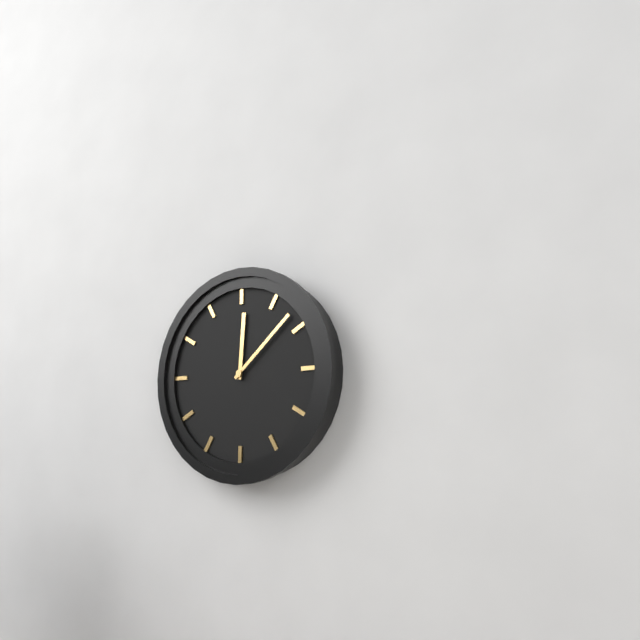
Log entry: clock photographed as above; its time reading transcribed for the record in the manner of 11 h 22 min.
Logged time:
12 h 08 min
